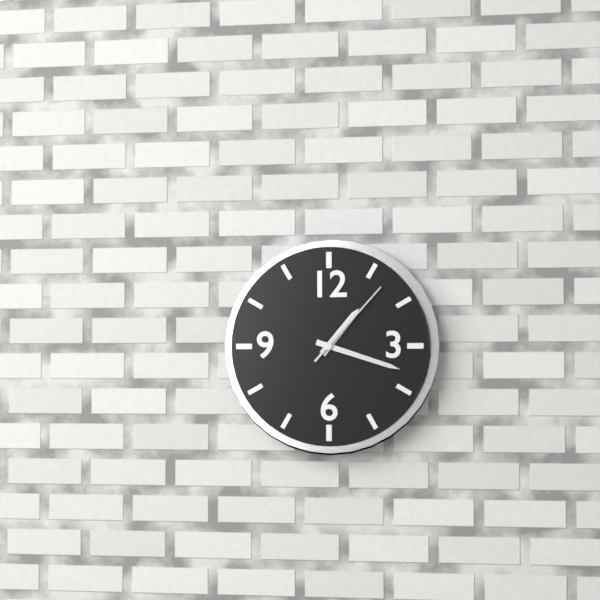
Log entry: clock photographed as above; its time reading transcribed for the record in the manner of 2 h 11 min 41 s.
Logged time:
1 h 18 min 07 s
